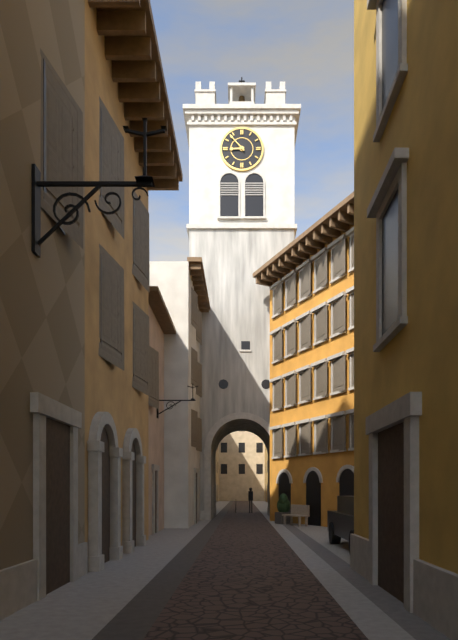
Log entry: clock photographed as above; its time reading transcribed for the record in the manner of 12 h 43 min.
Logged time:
8 h 53 min
